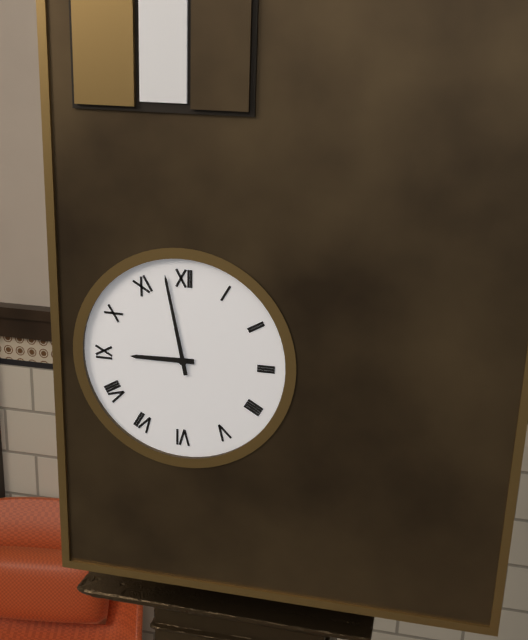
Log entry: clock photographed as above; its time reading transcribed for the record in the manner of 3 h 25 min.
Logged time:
8 h 58 min
